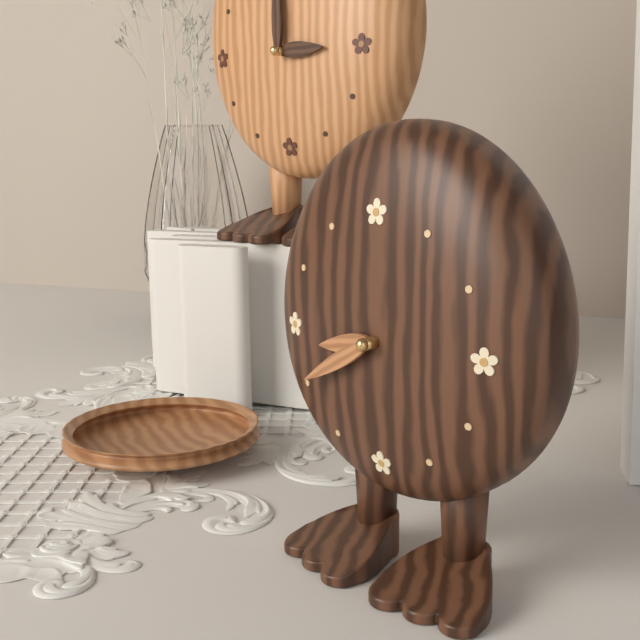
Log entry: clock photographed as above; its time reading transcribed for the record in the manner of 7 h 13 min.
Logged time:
8 h 40 min
